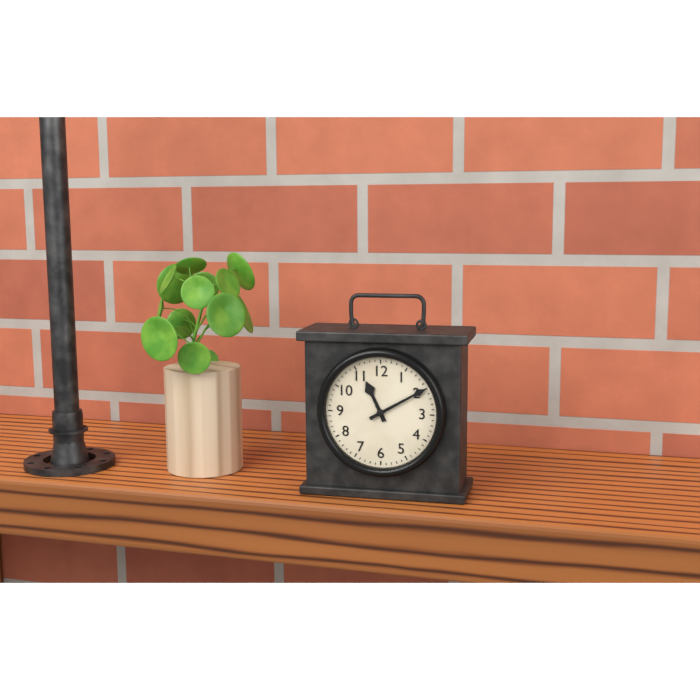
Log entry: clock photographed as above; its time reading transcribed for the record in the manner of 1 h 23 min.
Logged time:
11 h 10 min
